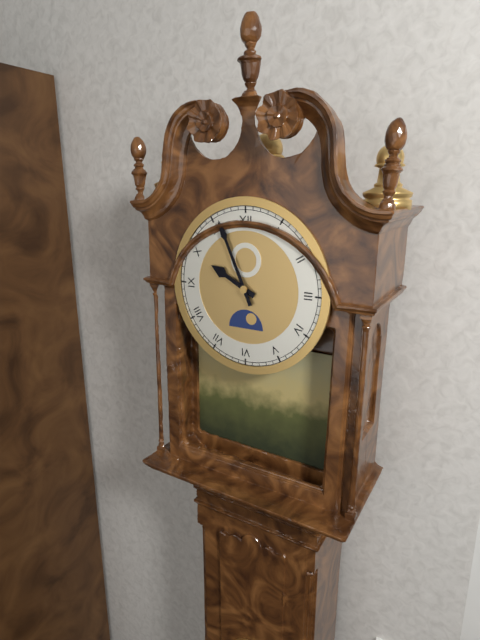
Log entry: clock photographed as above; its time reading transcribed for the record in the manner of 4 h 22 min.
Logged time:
9 h 56 min
